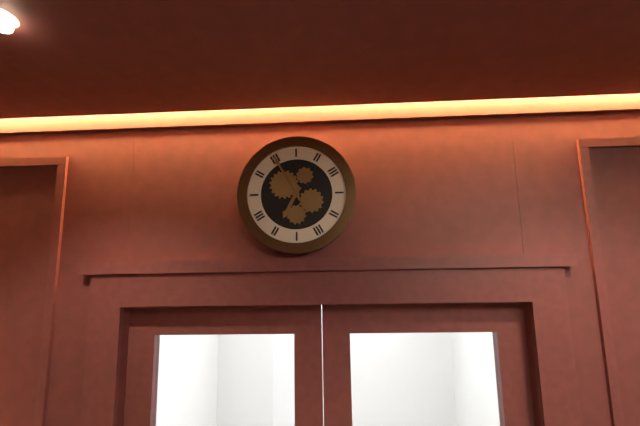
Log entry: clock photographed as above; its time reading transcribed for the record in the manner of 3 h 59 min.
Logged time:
6 h 55 min
